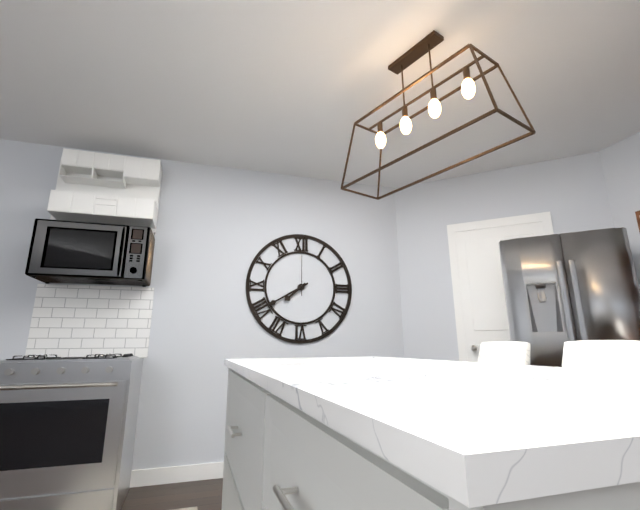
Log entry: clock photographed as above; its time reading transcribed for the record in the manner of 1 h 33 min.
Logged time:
7 h 40 min
